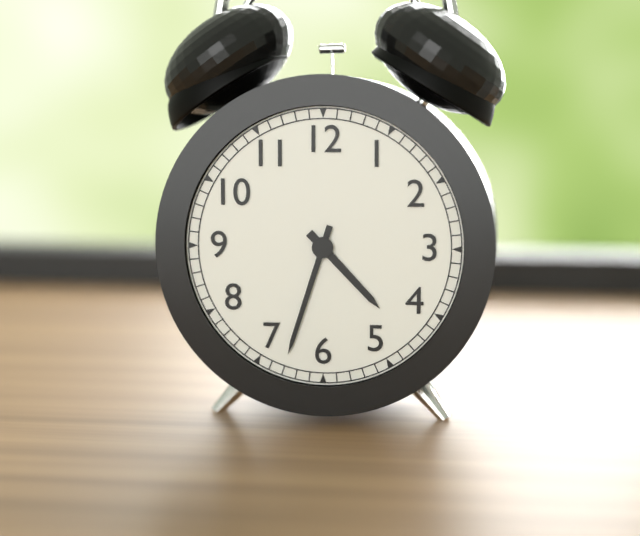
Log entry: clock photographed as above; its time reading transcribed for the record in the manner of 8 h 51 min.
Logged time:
4 h 33 min
